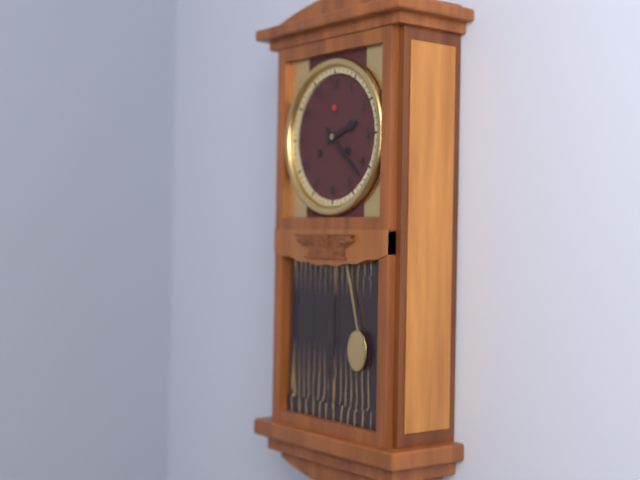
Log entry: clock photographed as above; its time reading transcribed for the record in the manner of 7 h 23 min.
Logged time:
2 h 22 min
